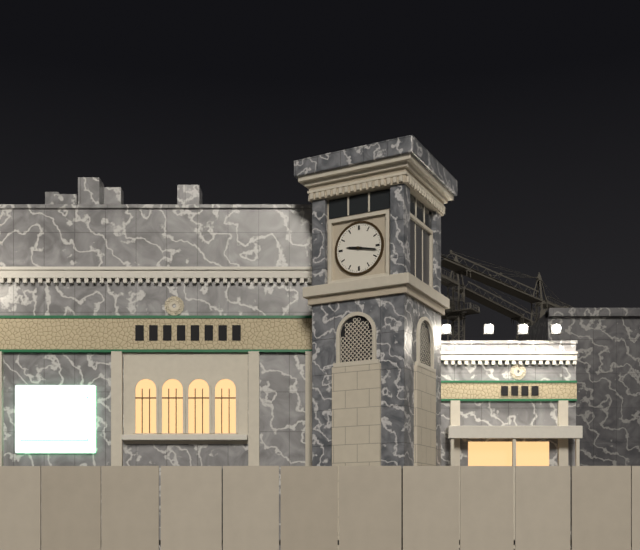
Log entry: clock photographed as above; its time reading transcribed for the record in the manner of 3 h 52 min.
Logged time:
9 h 17 min
